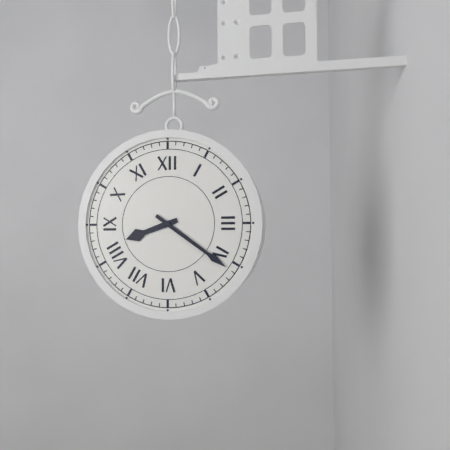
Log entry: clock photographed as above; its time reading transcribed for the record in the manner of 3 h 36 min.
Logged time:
8 h 21 min
